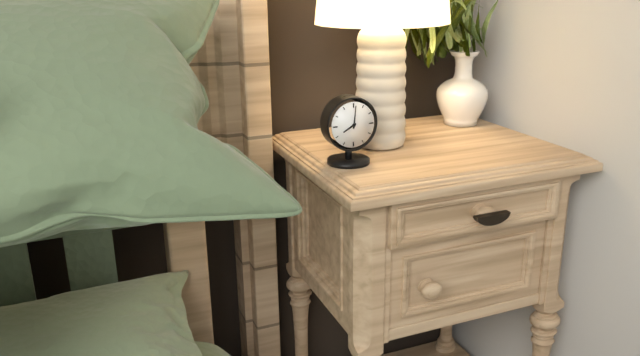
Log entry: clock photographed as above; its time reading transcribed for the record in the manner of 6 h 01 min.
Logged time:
8 h 01 min
